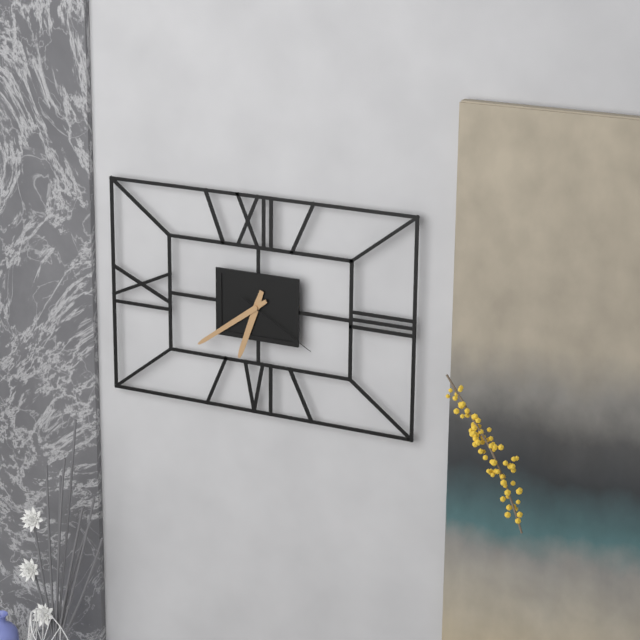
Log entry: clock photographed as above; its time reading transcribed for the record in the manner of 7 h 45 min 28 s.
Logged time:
6 h 39 min 20 s
